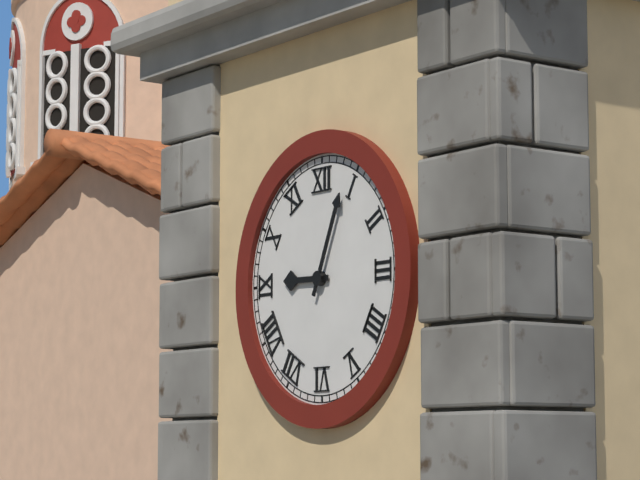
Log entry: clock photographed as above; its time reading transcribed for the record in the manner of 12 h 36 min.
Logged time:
9 h 04 min
